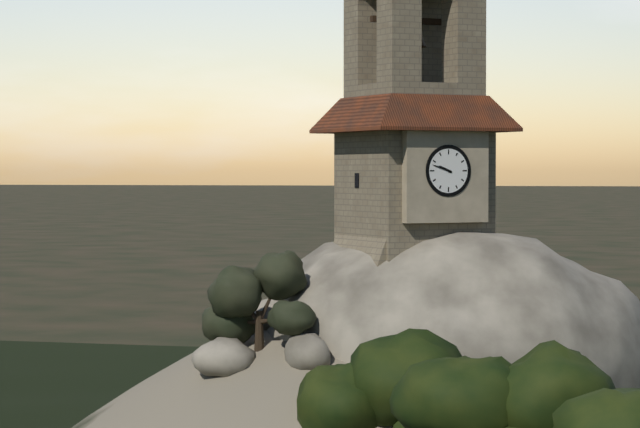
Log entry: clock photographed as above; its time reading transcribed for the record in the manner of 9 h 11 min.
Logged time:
9 h 48 min
